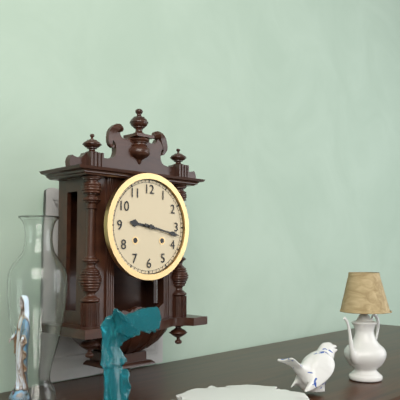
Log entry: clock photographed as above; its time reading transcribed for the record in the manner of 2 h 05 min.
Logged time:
9 h 17 min
